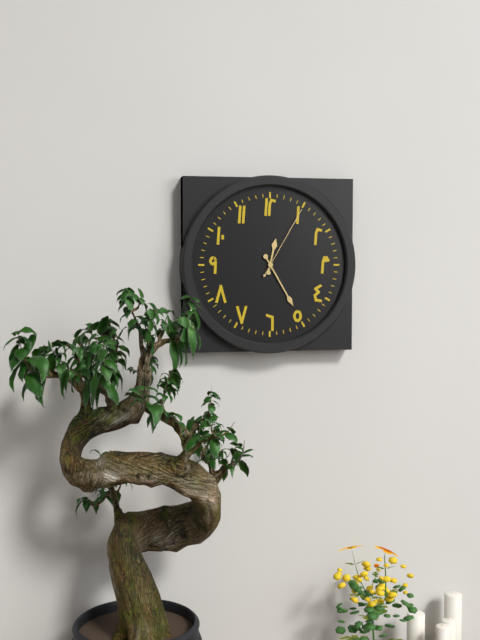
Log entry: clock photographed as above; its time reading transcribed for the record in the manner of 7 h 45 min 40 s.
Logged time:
12 h 25 min 05 s
